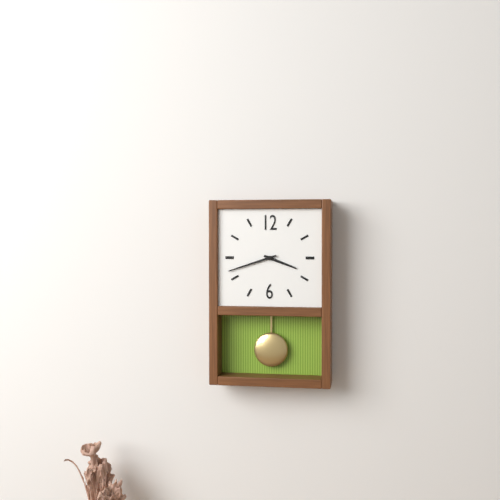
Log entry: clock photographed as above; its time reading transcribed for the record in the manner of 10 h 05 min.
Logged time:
3 h 42 min
